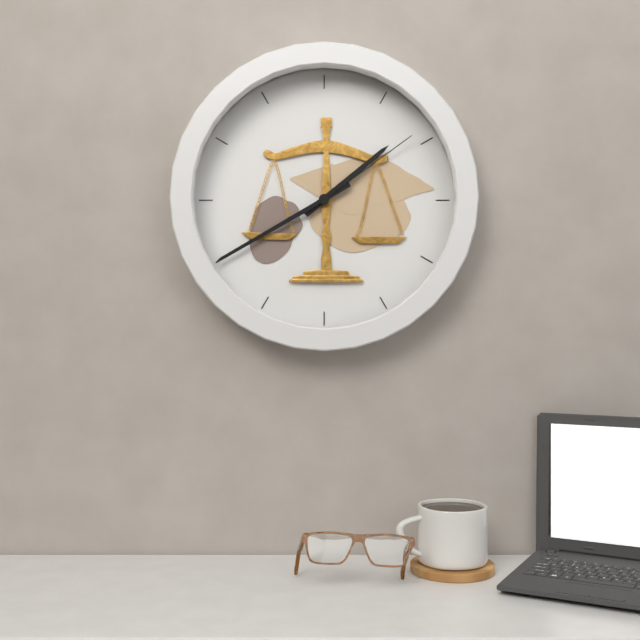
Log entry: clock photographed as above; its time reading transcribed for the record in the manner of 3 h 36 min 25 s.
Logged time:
1 h 40 min 09 s
